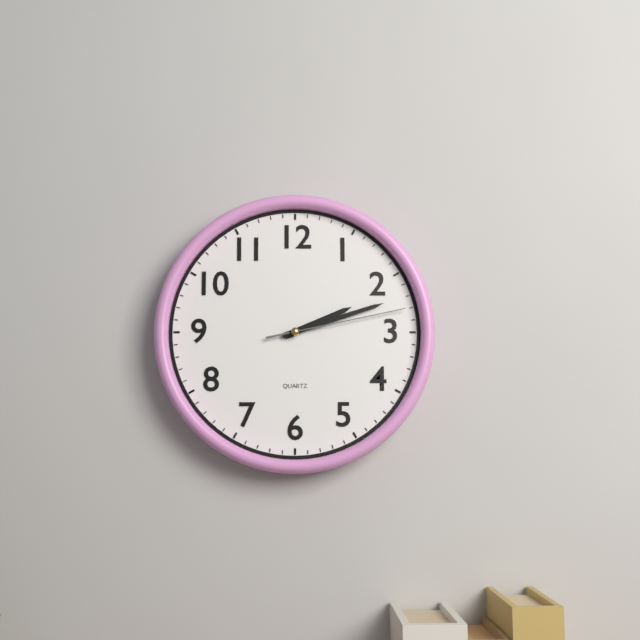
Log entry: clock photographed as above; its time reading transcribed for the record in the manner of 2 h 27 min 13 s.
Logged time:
2 h 12 min 13 s
